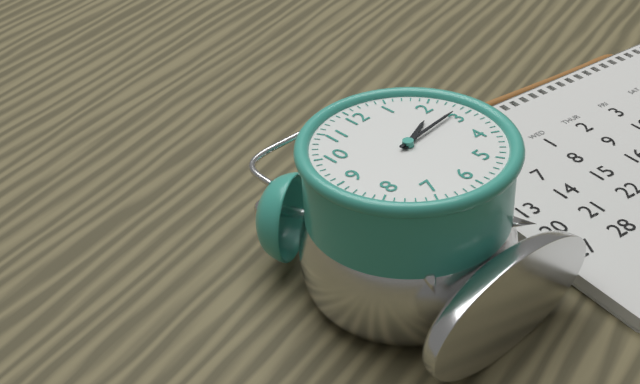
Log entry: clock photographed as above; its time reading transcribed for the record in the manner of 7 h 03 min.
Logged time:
2 h 14 min
